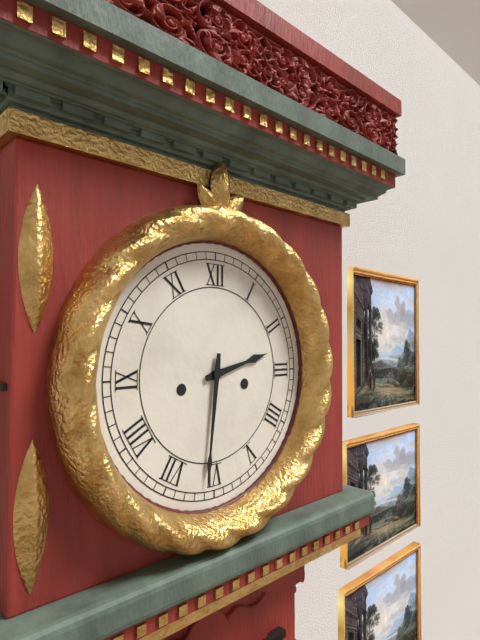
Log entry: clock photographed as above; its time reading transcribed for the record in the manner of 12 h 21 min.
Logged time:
2 h 31 min
